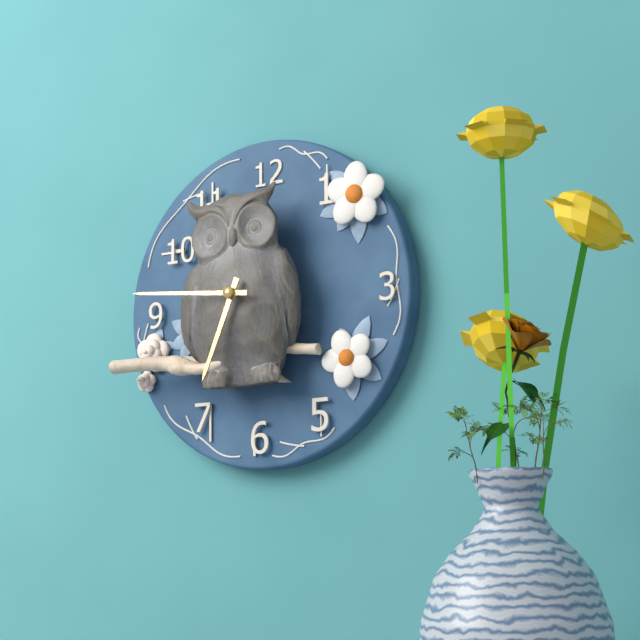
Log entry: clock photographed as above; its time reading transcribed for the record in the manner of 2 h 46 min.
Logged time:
6 h 46 min
